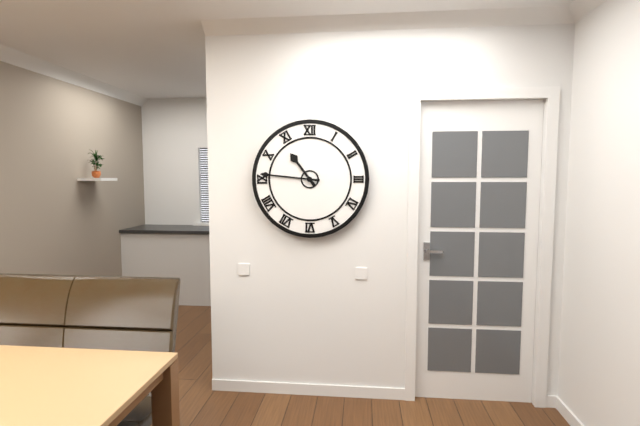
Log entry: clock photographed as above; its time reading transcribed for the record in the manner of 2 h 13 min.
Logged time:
10 h 46 min
